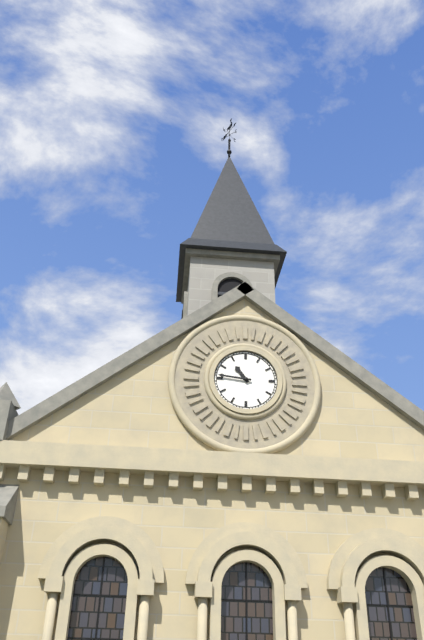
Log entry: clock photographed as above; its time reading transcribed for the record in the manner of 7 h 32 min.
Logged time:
10 h 46 min
